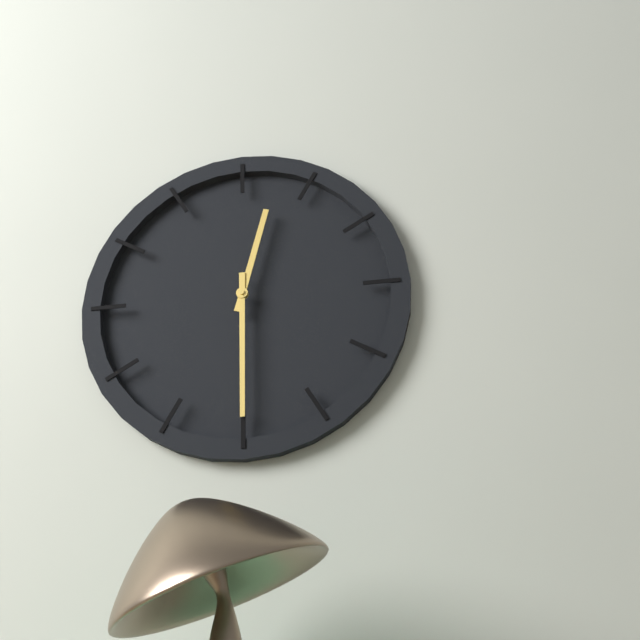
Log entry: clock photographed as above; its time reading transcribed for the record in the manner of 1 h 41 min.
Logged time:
12 h 30 min
